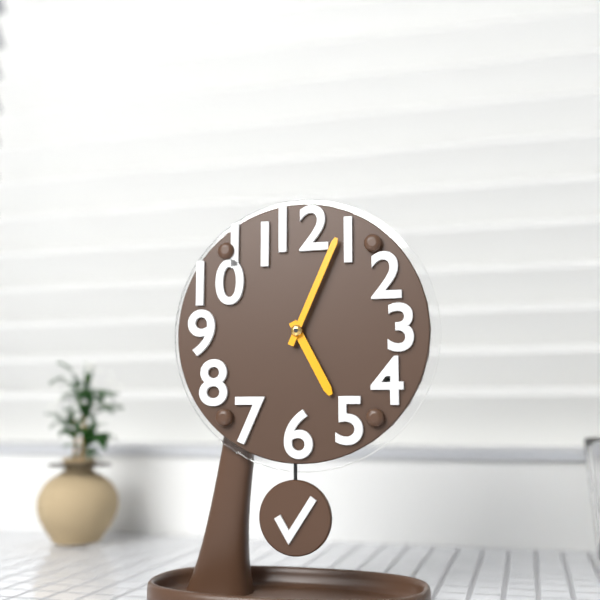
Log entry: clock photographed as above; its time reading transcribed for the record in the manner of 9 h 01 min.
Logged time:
5 h 04 min
